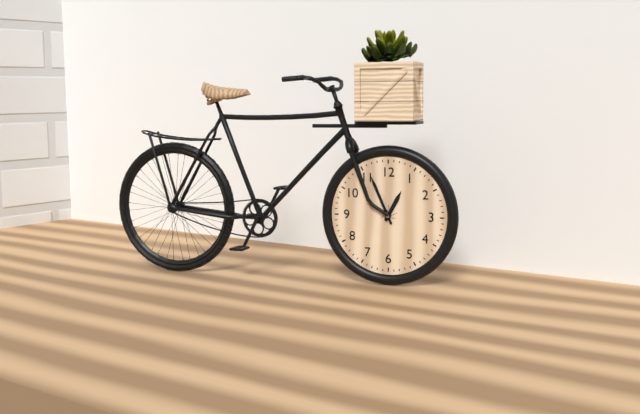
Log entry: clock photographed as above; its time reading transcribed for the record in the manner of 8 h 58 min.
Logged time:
12 h 56 min
